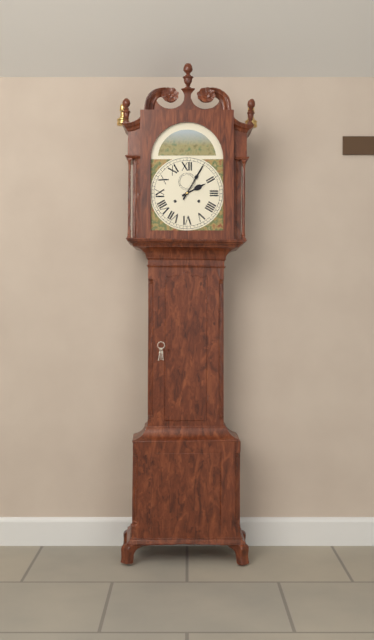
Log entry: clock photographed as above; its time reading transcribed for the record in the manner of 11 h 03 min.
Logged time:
2 h 05 min
